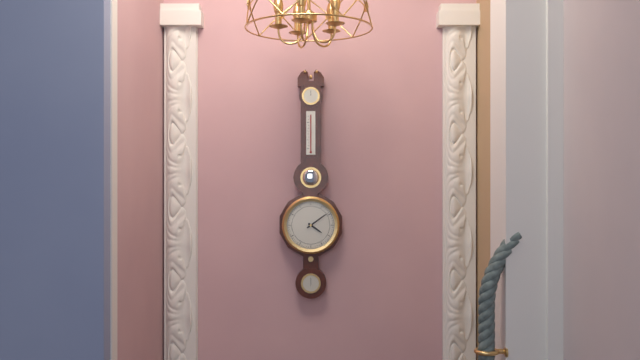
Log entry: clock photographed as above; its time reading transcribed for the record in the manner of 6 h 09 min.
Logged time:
4 h 09 min
